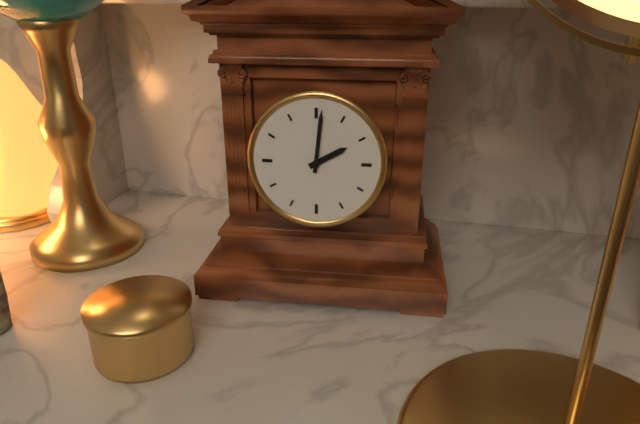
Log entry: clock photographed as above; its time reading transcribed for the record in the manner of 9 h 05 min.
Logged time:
2 h 01 min
